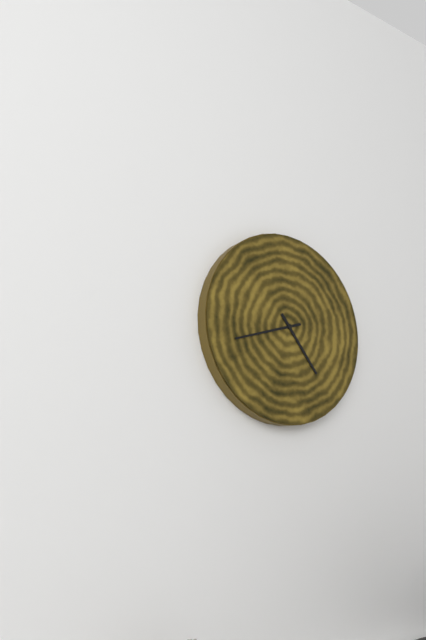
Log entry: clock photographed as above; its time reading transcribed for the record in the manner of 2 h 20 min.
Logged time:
4 h 42 min
